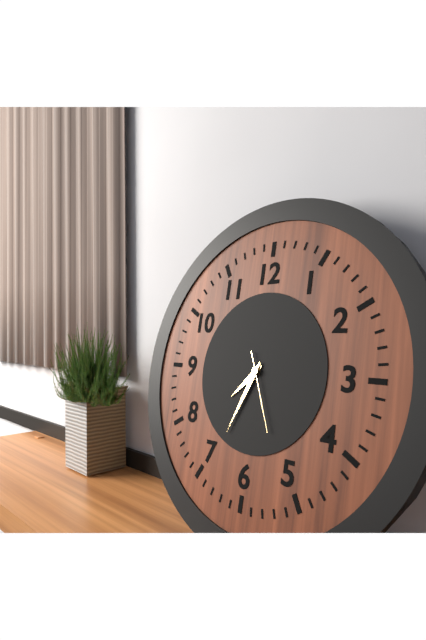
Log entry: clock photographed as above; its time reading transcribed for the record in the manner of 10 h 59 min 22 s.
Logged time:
7 h 34 min 26 s
